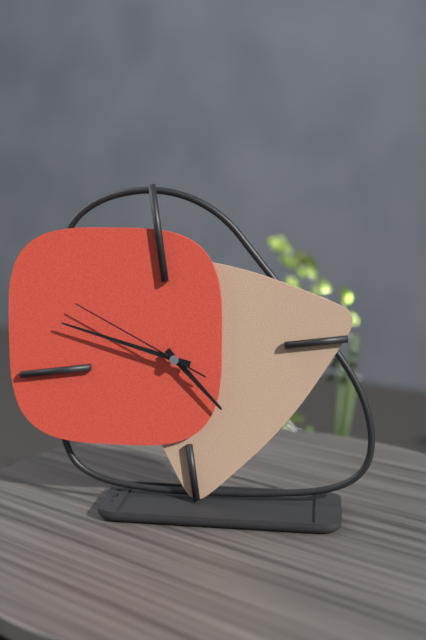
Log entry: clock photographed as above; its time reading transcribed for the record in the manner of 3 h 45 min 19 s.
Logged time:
4 h 49 min 51 s
